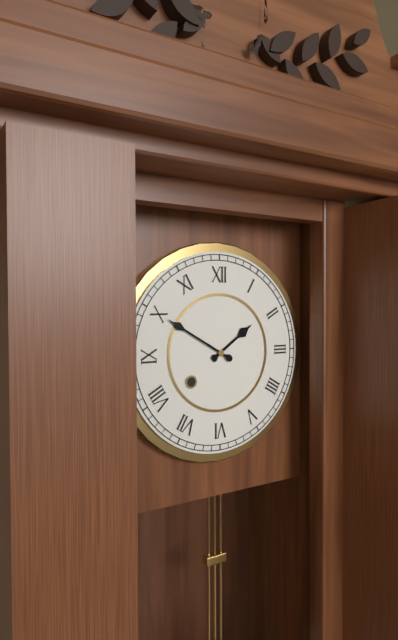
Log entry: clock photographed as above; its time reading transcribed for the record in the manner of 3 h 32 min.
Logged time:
1 h 50 min
